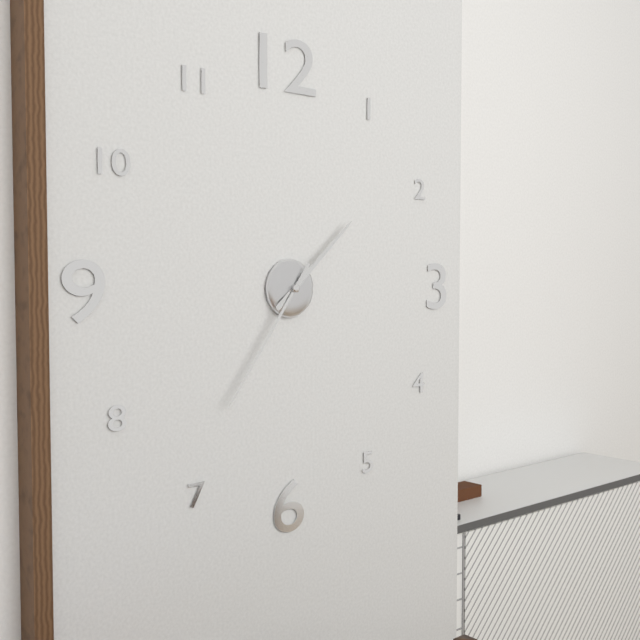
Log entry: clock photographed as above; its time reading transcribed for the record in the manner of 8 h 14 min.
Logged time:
1 h 36 min
